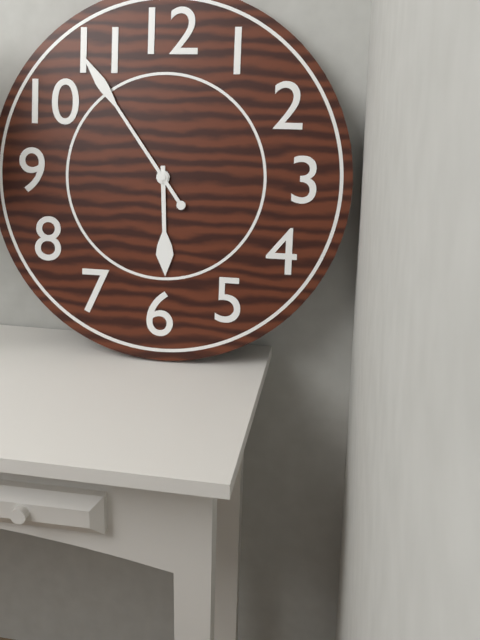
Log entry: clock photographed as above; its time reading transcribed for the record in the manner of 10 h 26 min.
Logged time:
5 h 54 min
